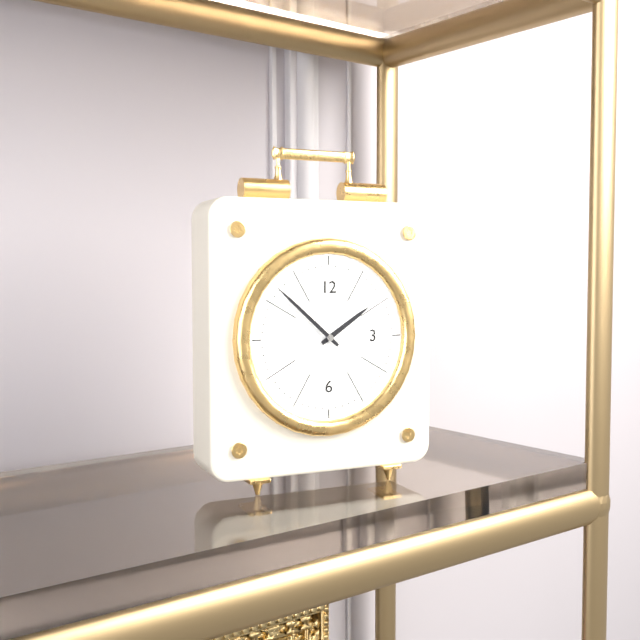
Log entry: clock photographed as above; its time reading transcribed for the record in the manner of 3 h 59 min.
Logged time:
1 h 52 min
